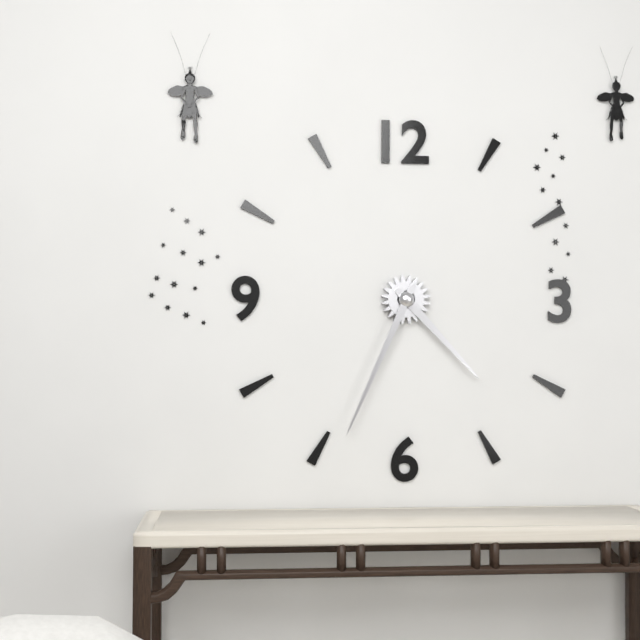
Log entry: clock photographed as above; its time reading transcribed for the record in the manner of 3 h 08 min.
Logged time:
4 h 34 min
